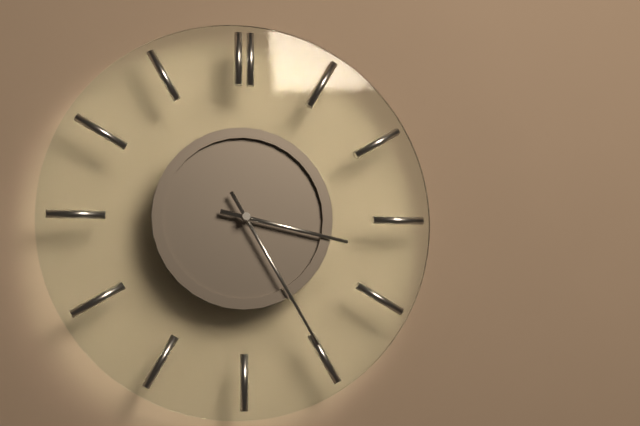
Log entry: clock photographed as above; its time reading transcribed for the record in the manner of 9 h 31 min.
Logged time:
3 h 25 min
